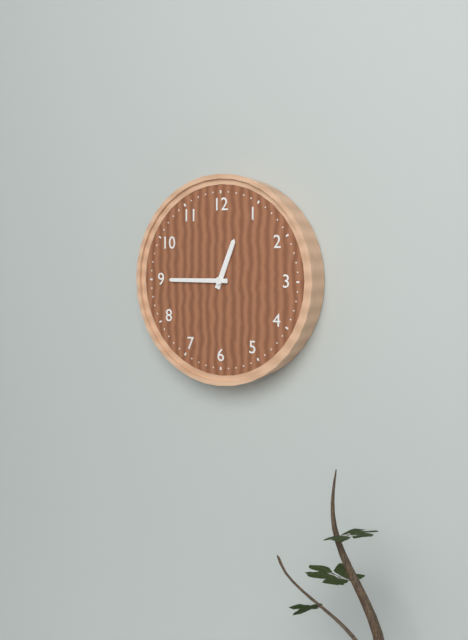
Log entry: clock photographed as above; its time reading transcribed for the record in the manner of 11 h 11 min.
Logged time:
12 h 45 min
